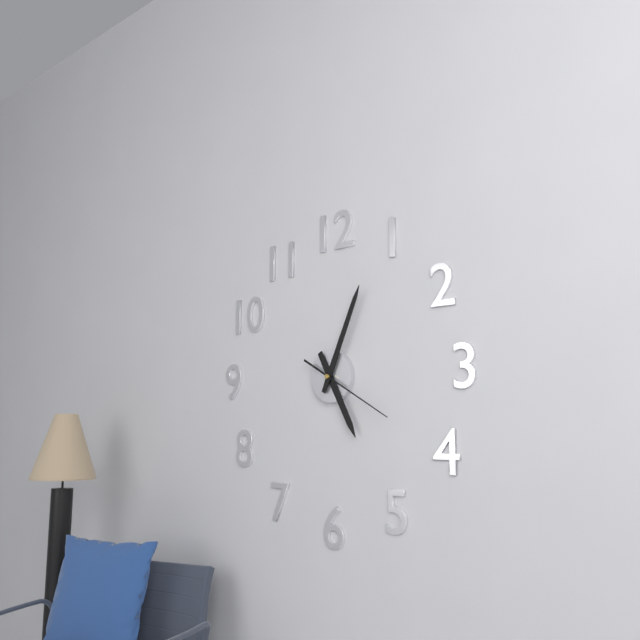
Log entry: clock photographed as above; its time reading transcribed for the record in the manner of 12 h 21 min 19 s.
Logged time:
5 h 04 min 20 s
